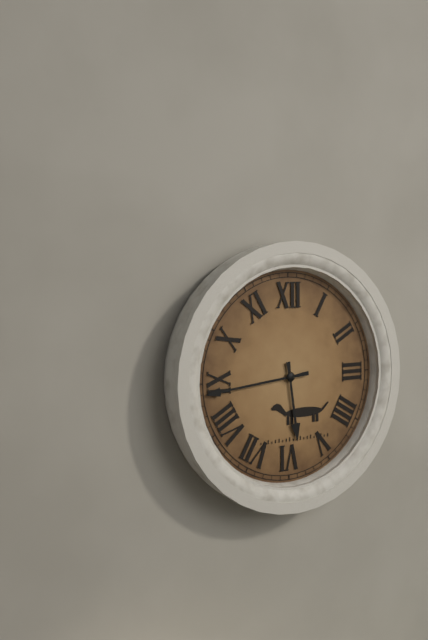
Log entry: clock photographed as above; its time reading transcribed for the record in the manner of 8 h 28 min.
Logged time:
5 h 44 min
